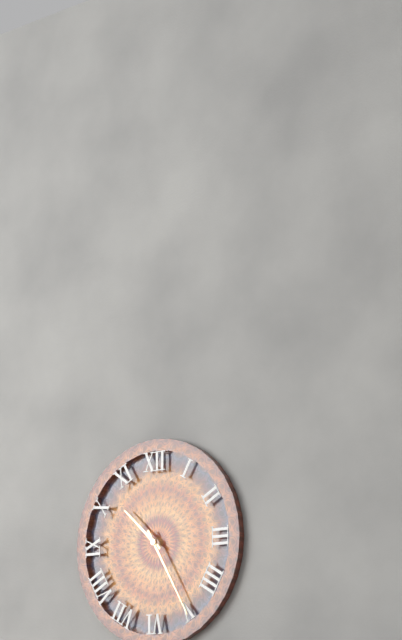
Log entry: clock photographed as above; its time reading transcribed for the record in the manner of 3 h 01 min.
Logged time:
10 h 25 min
